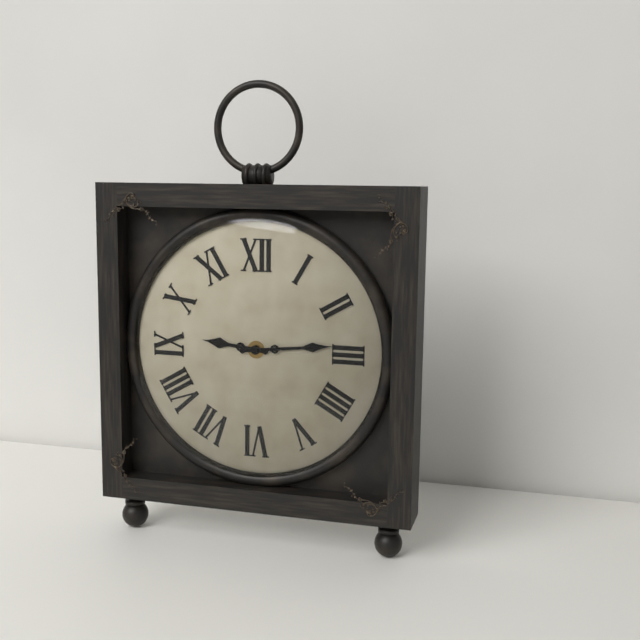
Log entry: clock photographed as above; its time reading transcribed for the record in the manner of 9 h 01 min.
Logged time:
9 h 14 min
